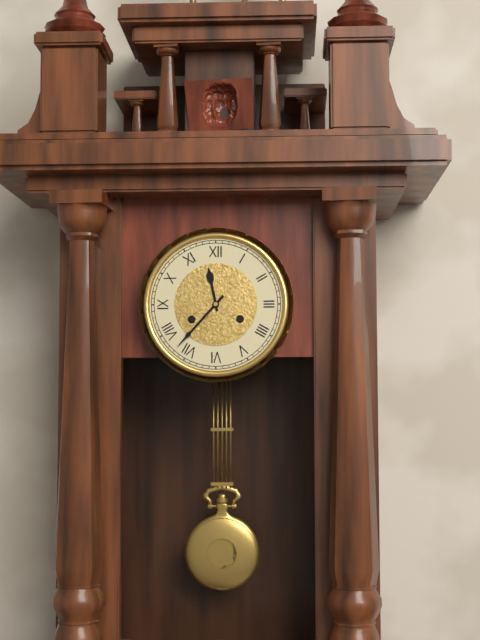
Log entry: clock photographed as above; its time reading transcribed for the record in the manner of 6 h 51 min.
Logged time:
11 h 37 min
